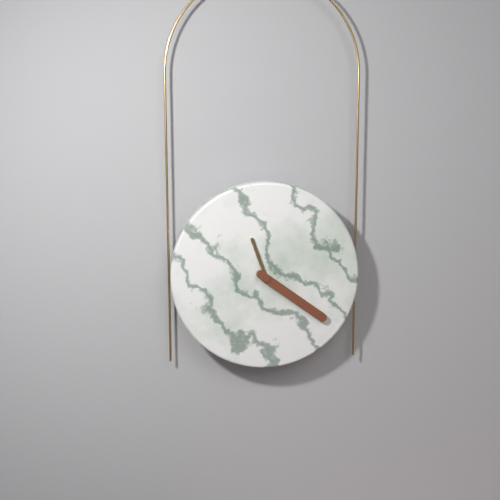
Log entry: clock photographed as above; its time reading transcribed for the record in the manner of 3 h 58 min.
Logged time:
11 h 21 min
